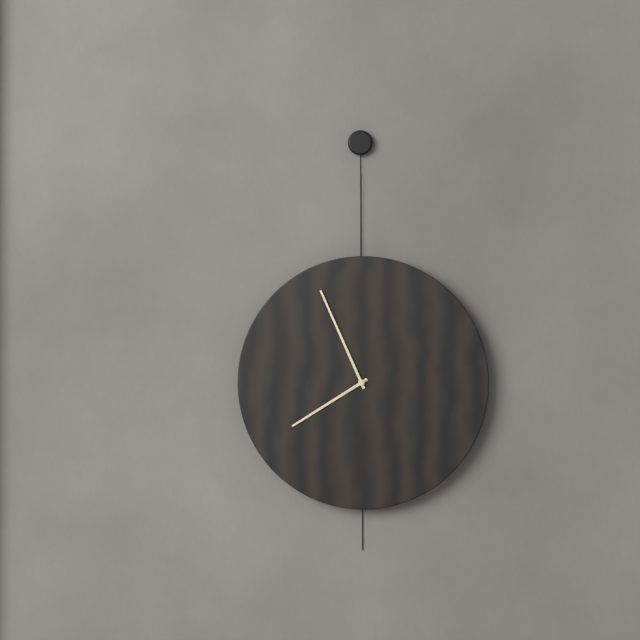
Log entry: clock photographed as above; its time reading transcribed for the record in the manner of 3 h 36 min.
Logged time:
7 h 56 min
